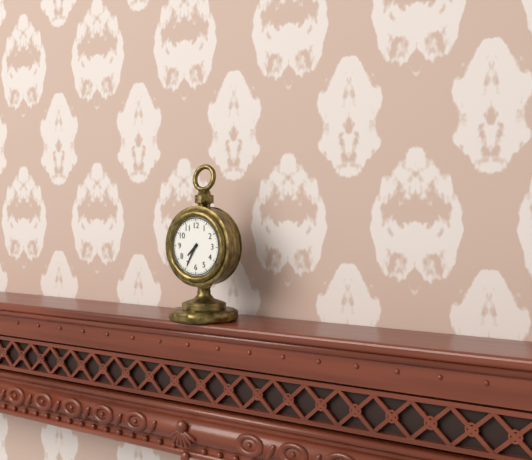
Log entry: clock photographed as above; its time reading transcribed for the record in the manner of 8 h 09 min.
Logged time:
7 h 35 min
